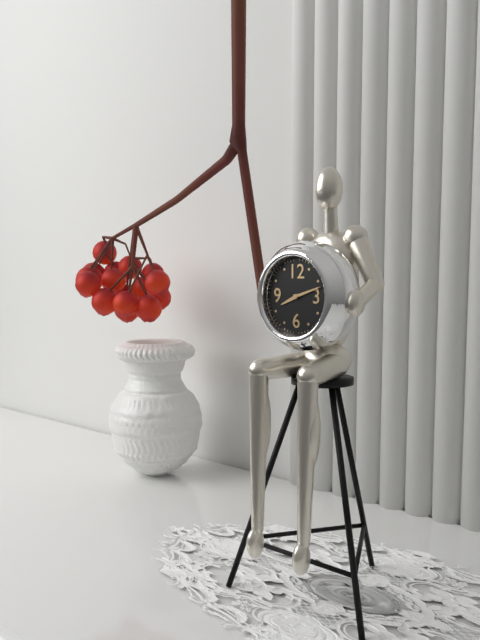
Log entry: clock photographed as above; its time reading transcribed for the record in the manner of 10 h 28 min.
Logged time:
8 h 12 min
